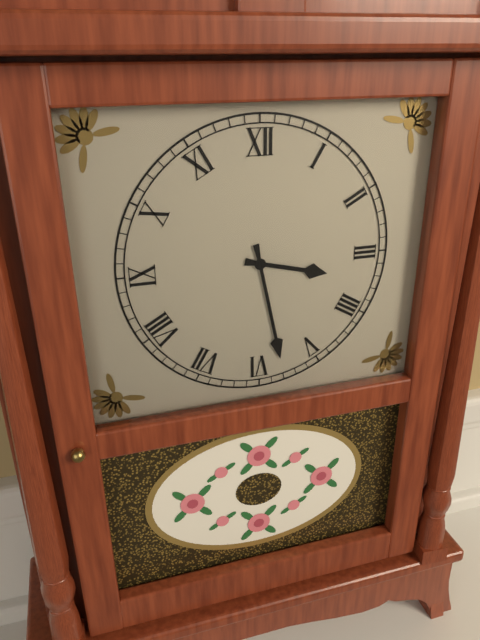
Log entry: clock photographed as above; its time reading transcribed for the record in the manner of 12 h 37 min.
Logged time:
3 h 28 min
